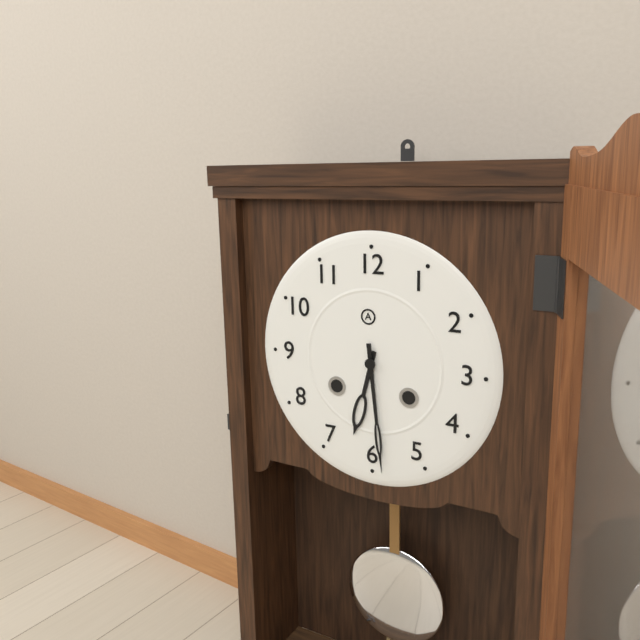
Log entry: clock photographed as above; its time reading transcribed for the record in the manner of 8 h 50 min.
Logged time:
6 h 29 min
